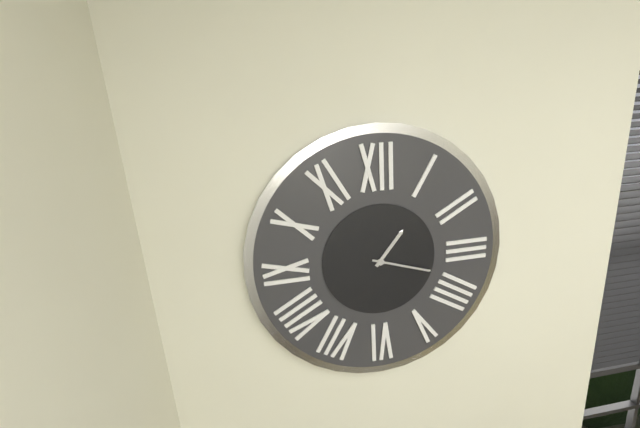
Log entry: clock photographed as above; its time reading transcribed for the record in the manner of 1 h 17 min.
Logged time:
1 h 18 min
